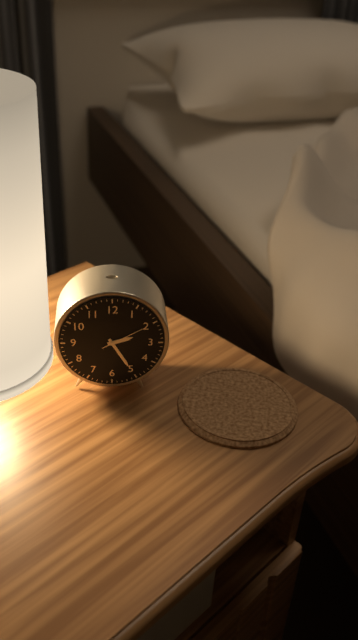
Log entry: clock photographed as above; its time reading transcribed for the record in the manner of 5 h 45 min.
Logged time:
2 h 25 min
